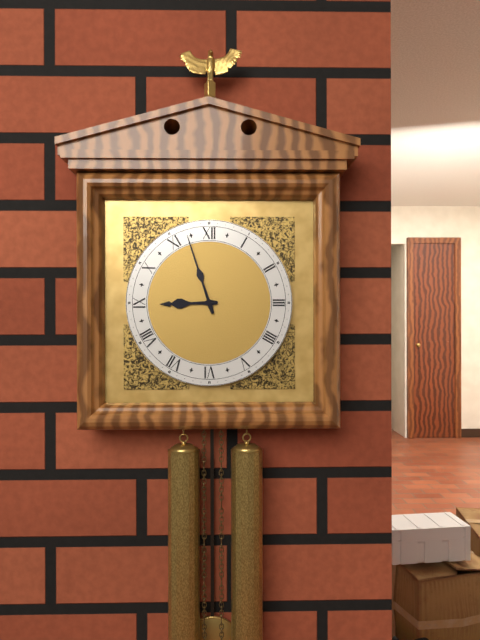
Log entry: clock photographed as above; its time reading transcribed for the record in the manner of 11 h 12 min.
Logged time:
8 h 57 min
